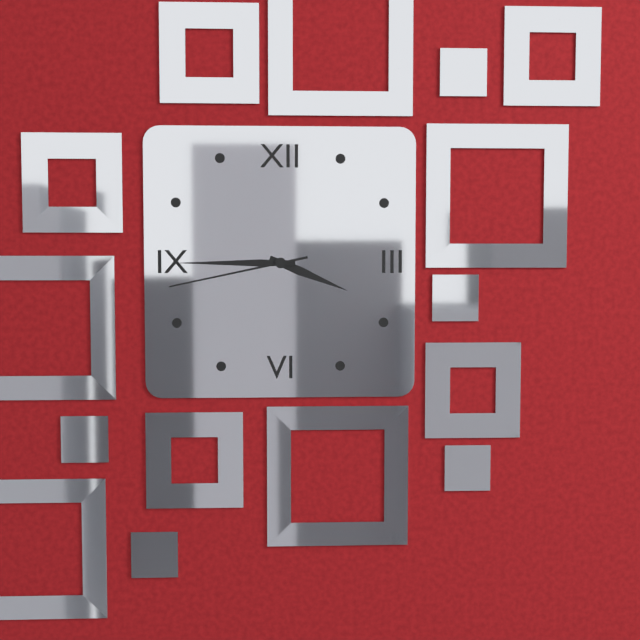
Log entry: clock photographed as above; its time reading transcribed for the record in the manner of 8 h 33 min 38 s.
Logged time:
3 h 45 min 43 s
